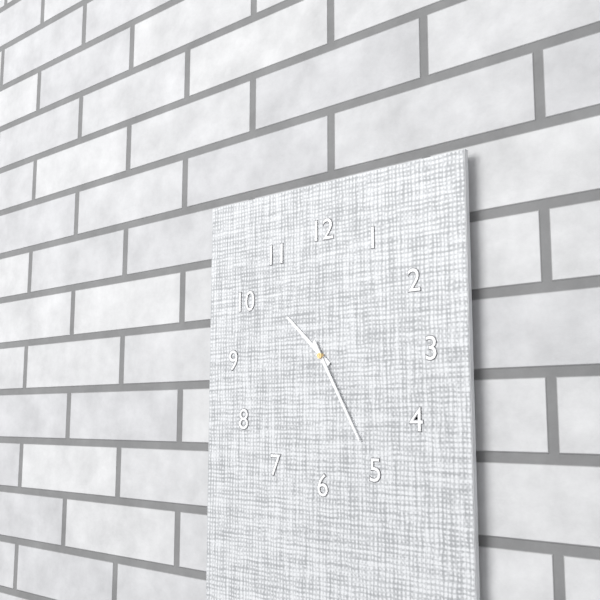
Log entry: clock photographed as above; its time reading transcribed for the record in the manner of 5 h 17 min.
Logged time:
10 h 25 min
